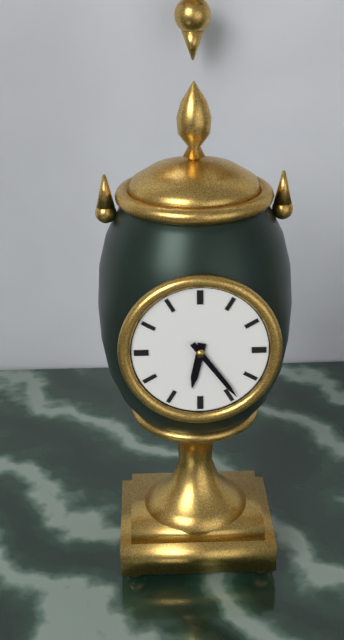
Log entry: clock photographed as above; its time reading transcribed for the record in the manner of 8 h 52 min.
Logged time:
6 h 24 min
